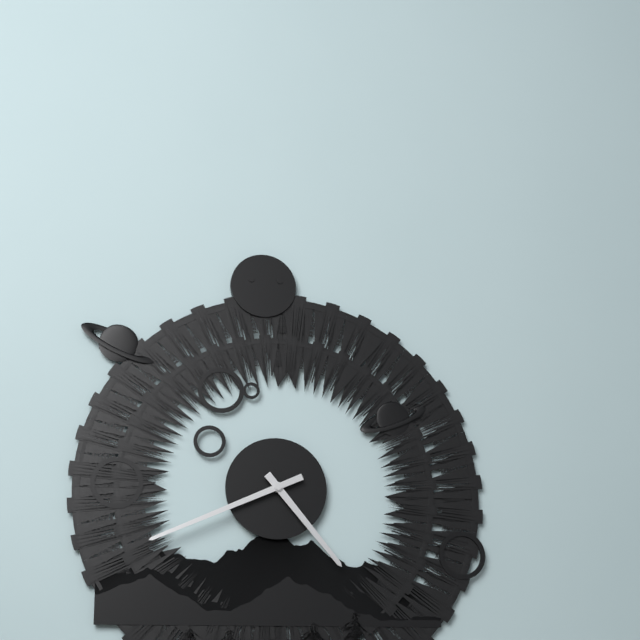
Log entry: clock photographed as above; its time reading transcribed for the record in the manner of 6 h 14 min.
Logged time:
4 h 41 min
